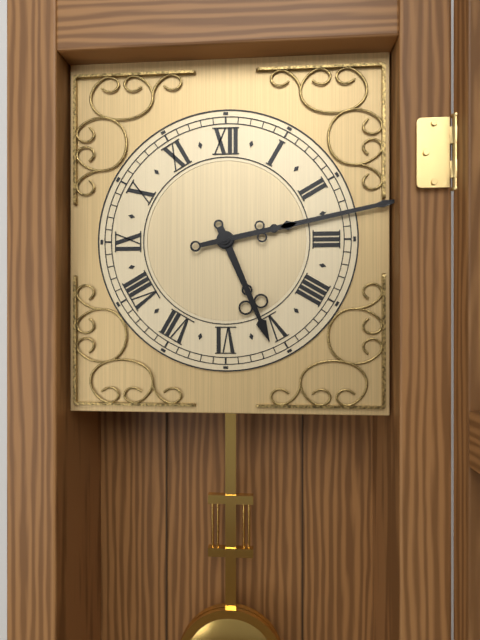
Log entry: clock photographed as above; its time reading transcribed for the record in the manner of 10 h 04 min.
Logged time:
5 h 13 min
